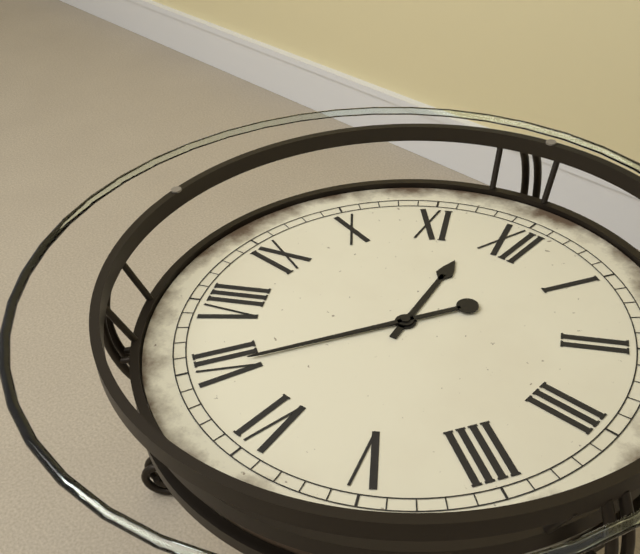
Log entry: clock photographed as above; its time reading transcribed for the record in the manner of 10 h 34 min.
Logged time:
11 h 35 min
